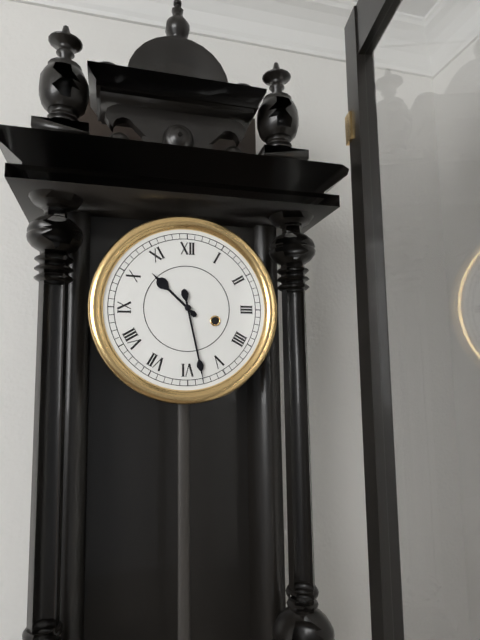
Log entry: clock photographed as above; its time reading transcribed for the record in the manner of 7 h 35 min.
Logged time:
10 h 28 min
